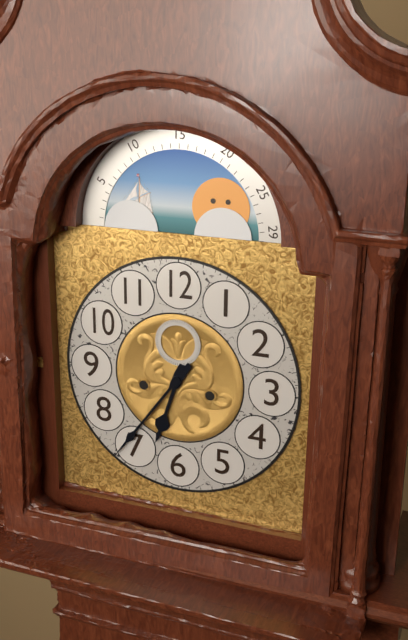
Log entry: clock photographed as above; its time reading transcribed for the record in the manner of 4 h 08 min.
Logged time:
6 h 36 min
